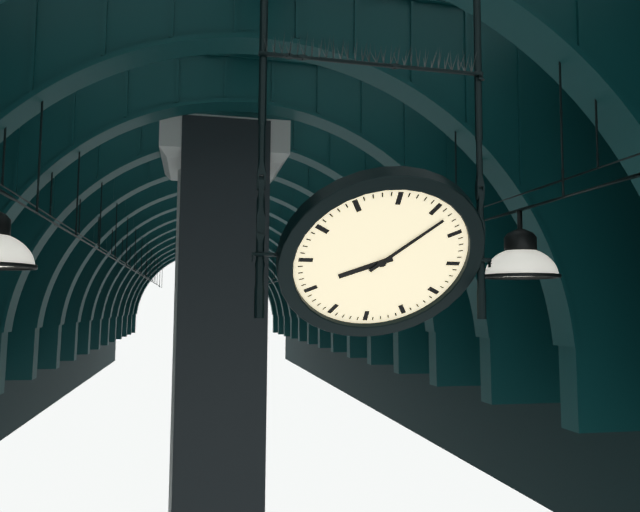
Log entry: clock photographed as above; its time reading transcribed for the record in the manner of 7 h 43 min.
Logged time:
8 h 07 min
